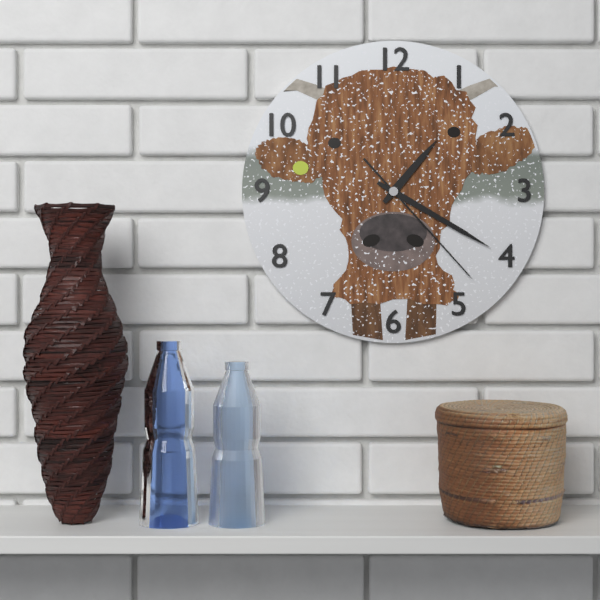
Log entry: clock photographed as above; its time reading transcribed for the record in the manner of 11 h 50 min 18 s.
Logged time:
1 h 20 min 23 s
